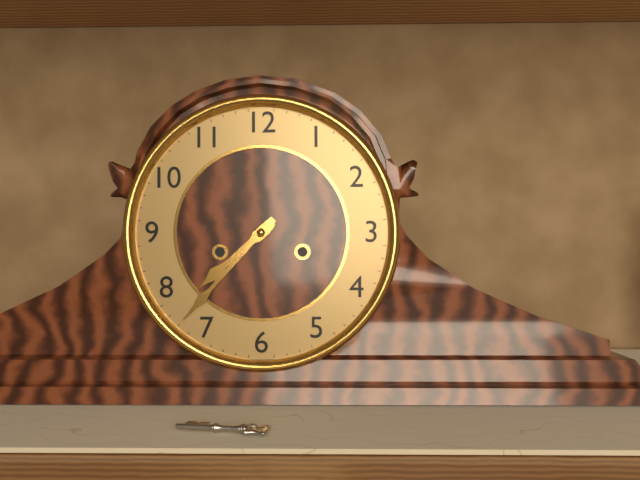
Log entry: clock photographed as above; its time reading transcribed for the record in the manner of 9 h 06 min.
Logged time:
7 h 37 min
